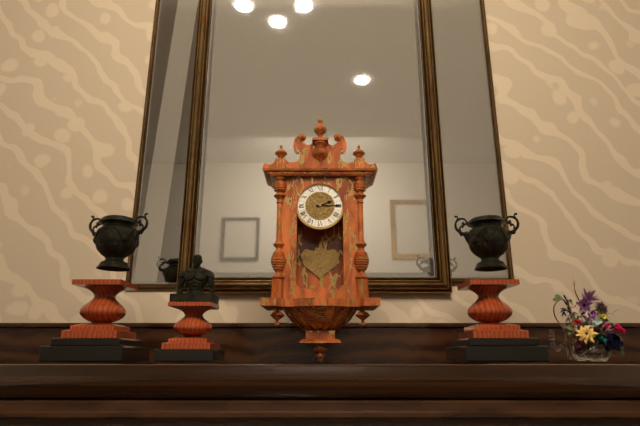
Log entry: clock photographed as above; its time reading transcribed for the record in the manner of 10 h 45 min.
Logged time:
2 h 15 min
